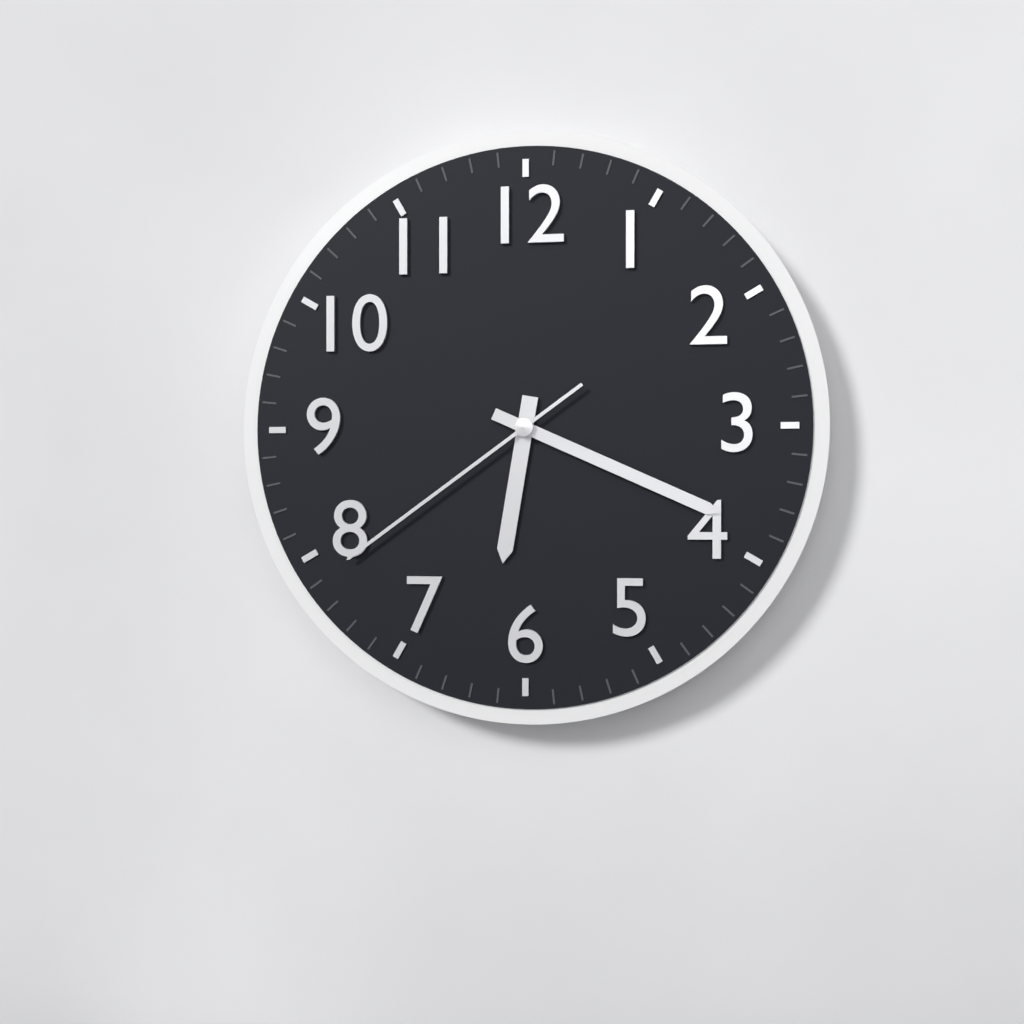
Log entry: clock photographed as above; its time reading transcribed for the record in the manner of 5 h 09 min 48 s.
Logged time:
6 h 19 min 39 s
